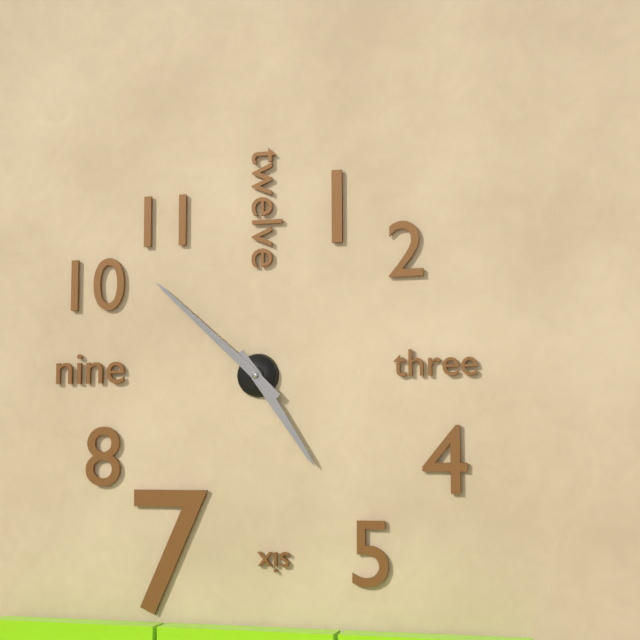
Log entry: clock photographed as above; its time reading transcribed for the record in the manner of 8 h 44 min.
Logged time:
4 h 52 min
